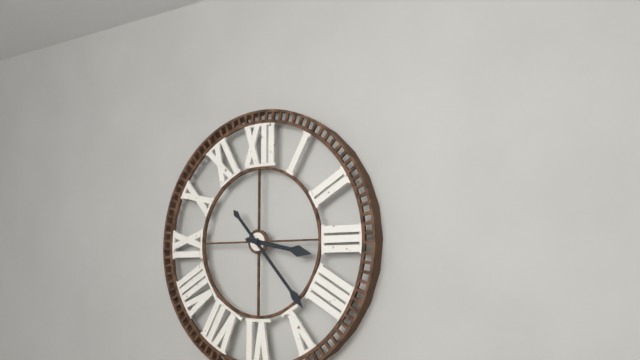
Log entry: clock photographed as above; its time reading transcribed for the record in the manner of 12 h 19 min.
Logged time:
3 h 23 min
